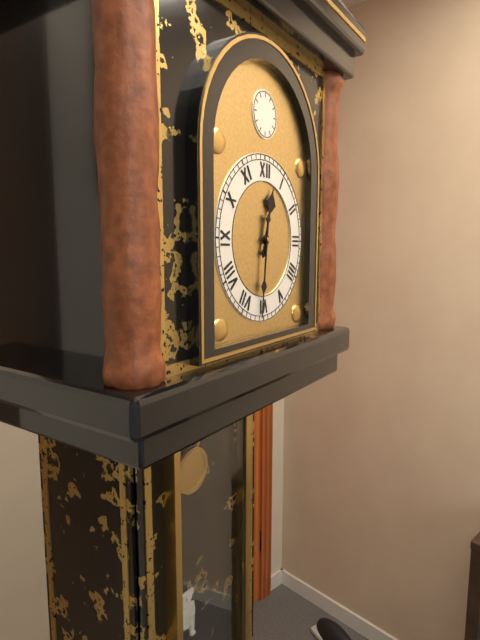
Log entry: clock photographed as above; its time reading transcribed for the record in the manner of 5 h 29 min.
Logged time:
12 h 31 min
